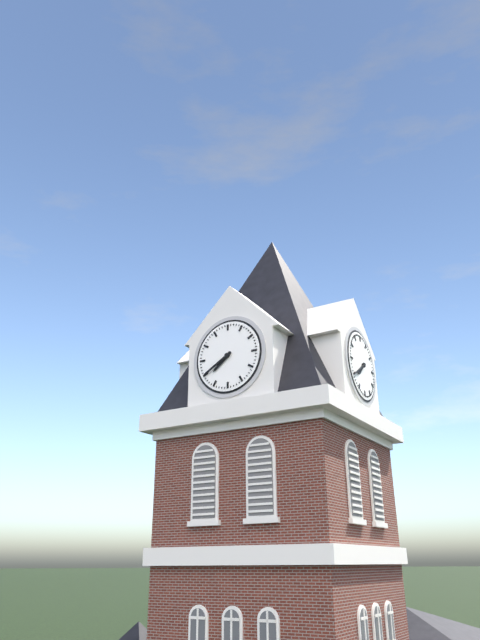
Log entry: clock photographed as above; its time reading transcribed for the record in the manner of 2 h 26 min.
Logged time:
7 h 40 min
